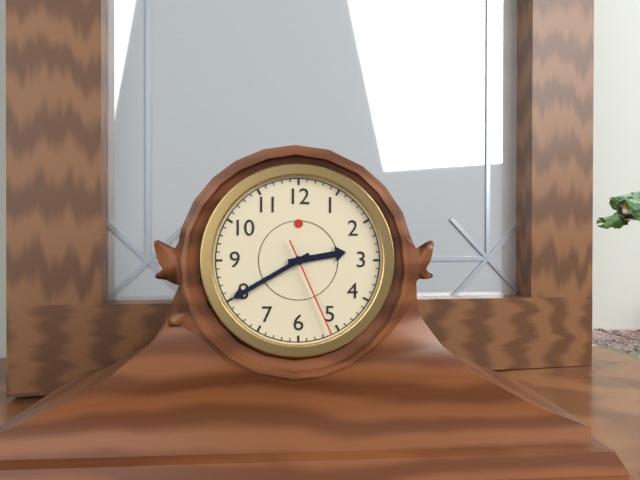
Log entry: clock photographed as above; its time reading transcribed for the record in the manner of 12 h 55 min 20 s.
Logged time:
2 h 40 min 26 s
